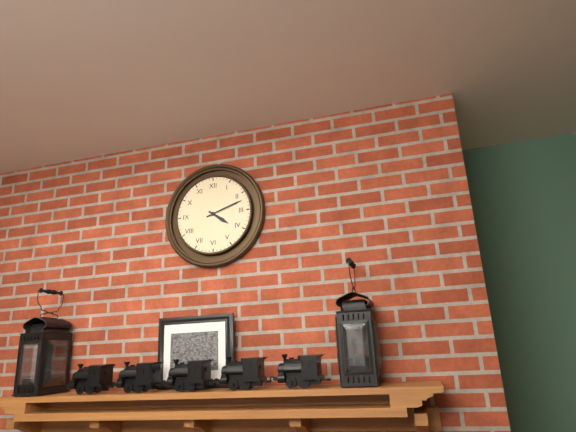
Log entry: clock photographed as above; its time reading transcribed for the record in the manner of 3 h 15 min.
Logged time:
4 h 12 min
